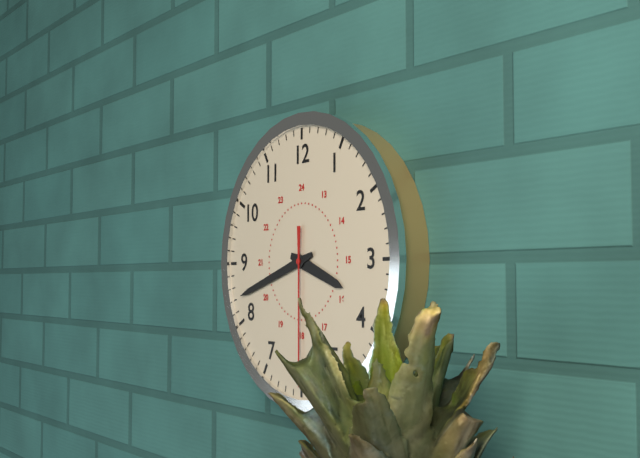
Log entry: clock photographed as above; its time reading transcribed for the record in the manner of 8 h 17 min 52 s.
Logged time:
3 h 42 min 30 s
